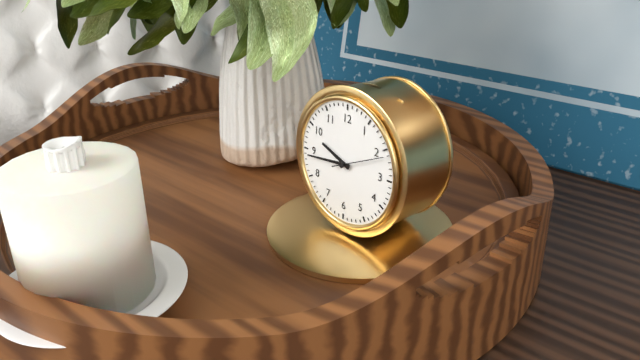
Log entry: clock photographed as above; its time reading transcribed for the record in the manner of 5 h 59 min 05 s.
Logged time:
9 h 44 min 11 s
